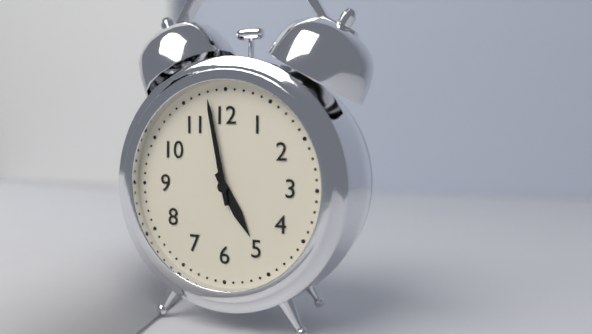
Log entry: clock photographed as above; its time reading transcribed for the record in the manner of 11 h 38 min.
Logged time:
4 h 58 min
